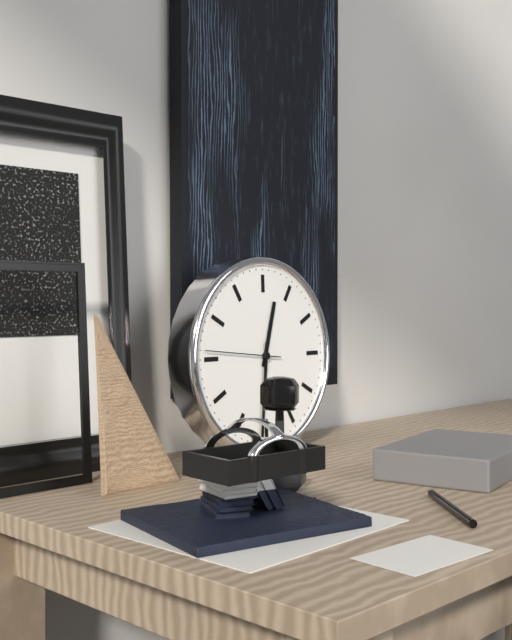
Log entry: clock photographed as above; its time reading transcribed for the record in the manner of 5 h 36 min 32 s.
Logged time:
12 h 31 min 46 s
